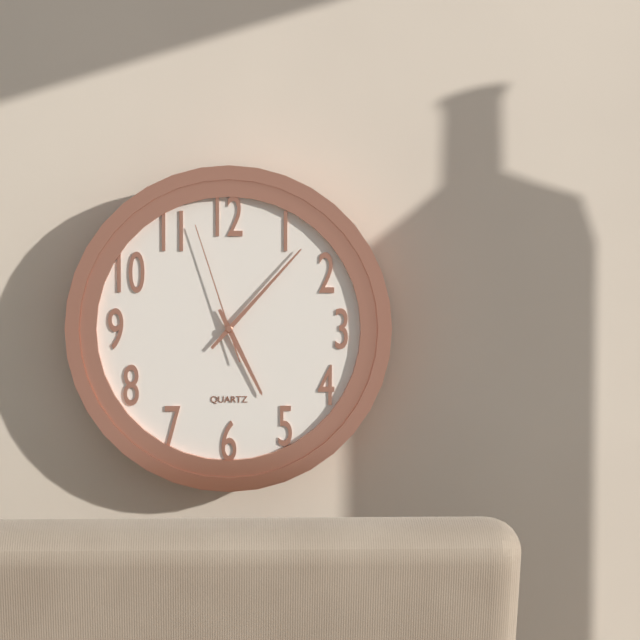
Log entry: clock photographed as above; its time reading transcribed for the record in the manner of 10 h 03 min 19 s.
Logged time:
5 h 07 min 57 s
